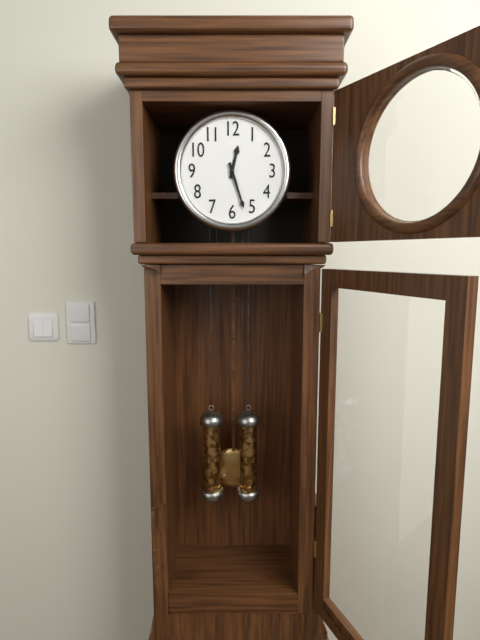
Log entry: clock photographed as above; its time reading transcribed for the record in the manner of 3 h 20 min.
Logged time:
12 h 27 min
